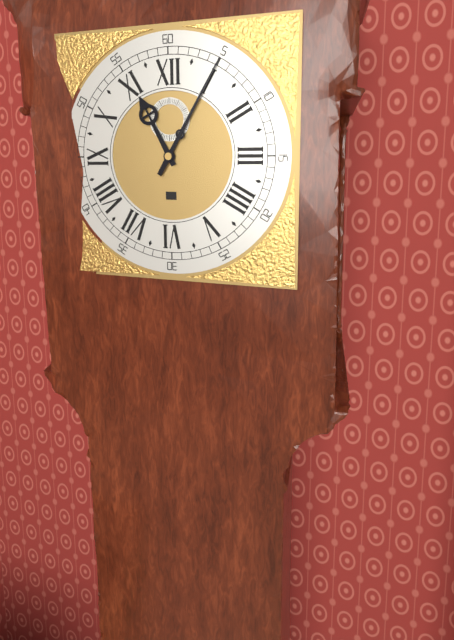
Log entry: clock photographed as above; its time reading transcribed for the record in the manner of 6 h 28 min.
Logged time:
11 h 05 min
